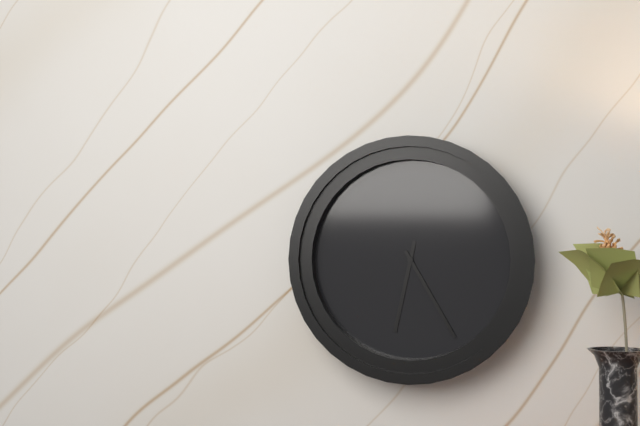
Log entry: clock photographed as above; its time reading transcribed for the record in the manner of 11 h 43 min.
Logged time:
6 h 25 min
